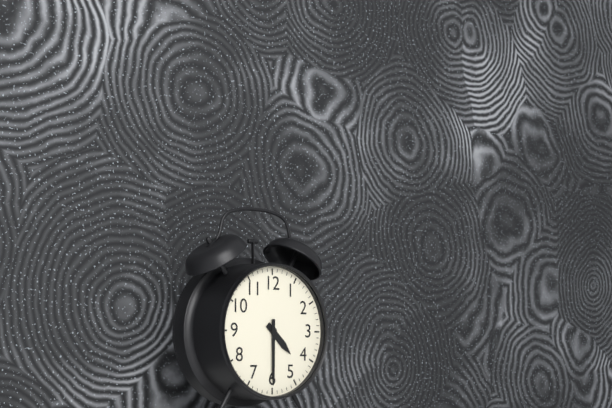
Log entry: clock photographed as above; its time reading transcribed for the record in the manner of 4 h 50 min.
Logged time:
4 h 30 min
